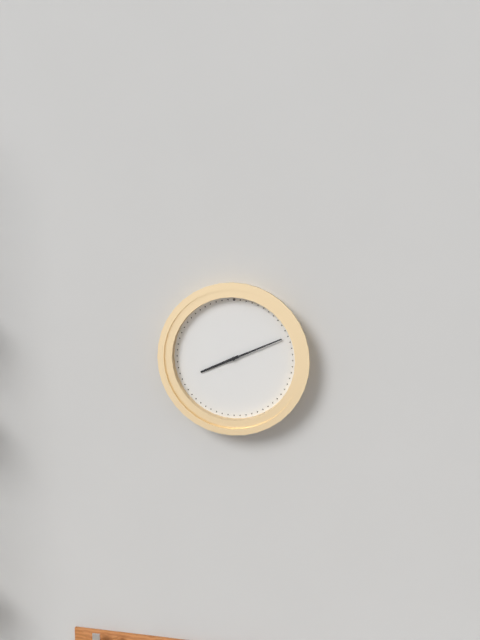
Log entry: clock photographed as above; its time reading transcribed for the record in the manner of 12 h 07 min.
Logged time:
8 h 11 min
